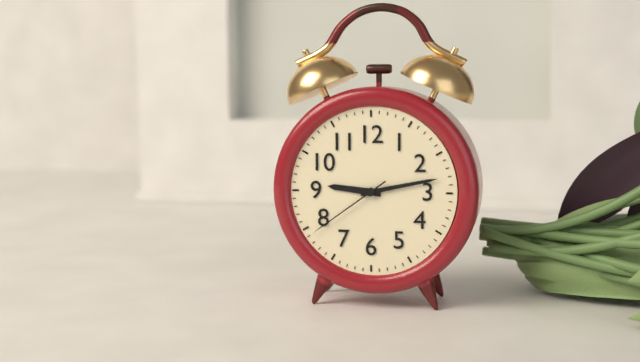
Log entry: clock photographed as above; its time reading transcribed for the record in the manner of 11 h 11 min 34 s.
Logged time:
9 h 13 min 39 s
